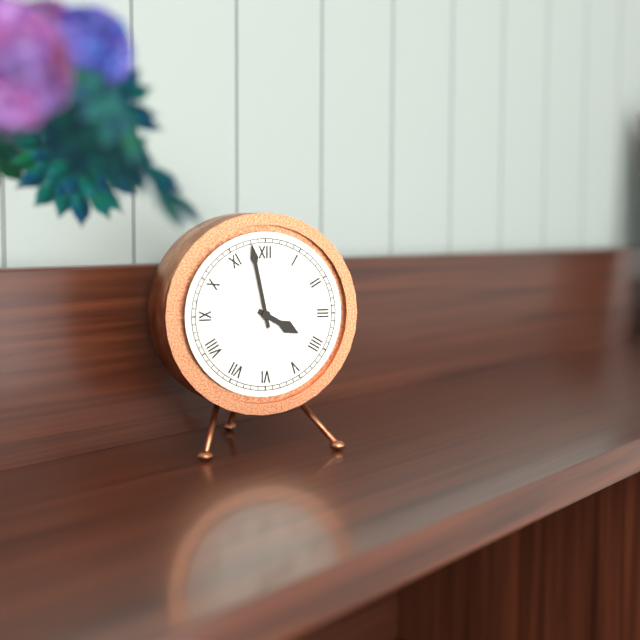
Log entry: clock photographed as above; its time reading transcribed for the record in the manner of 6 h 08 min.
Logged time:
3 h 58 min
